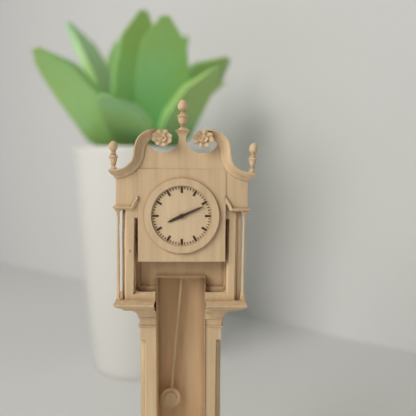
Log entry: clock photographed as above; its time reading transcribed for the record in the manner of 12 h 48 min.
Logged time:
8 h 11 min
